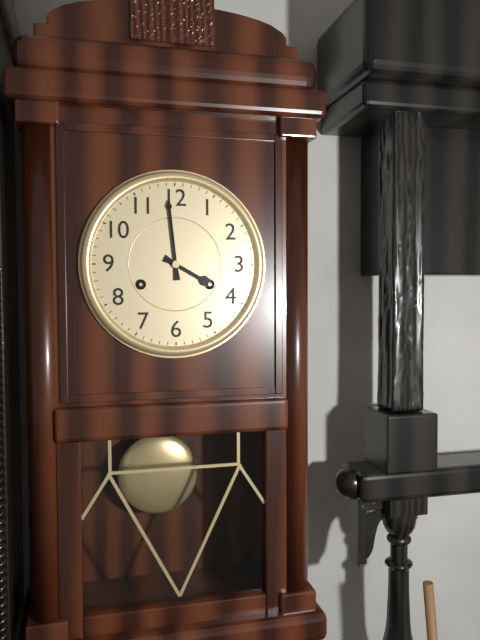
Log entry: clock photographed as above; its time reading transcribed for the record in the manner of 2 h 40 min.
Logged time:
3 h 59 min
